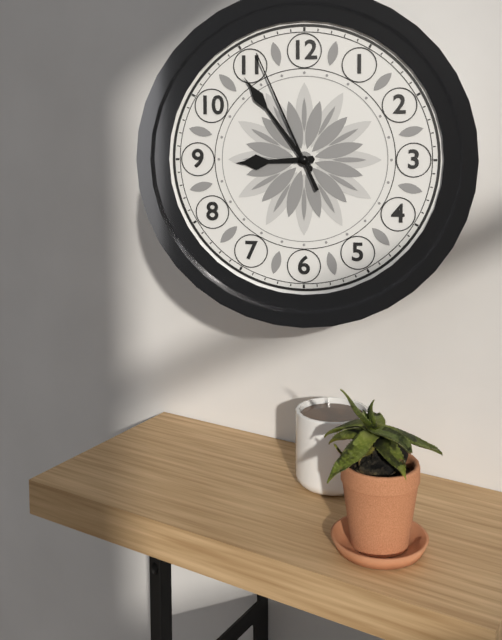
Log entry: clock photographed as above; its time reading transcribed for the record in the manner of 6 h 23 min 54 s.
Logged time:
8 h 54 min 56 s
